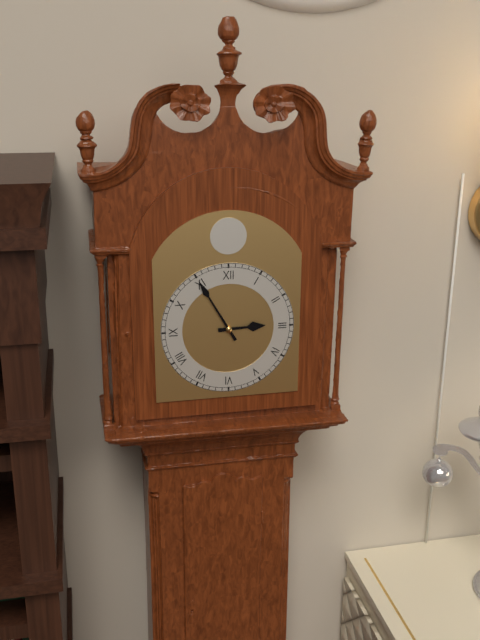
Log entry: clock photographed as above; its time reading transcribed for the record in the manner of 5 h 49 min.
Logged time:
2 h 55 min
